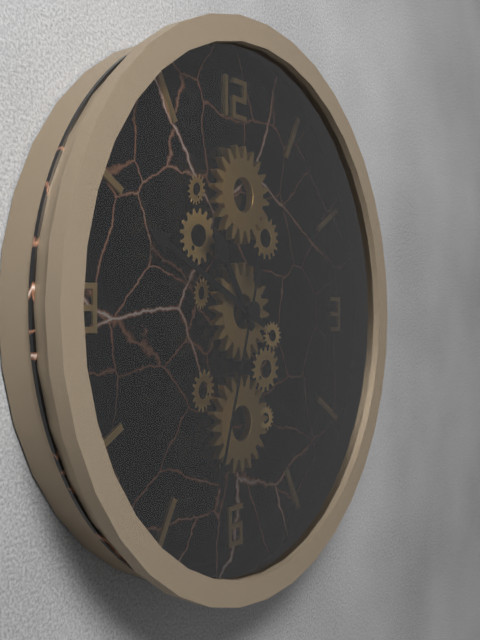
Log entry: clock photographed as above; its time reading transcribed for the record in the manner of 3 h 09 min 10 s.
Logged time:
10 h 49 min 33 s
